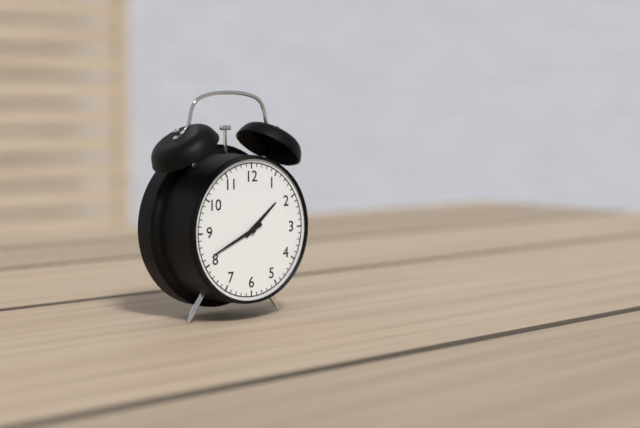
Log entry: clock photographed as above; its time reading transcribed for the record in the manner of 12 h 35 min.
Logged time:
1 h 41 min
